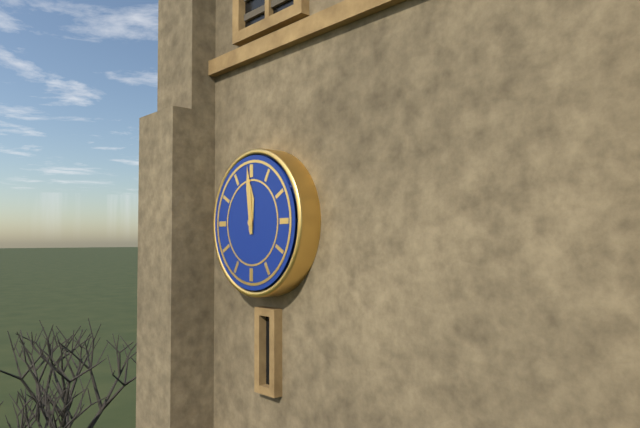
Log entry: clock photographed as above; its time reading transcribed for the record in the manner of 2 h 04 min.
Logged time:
11 h 59 min
